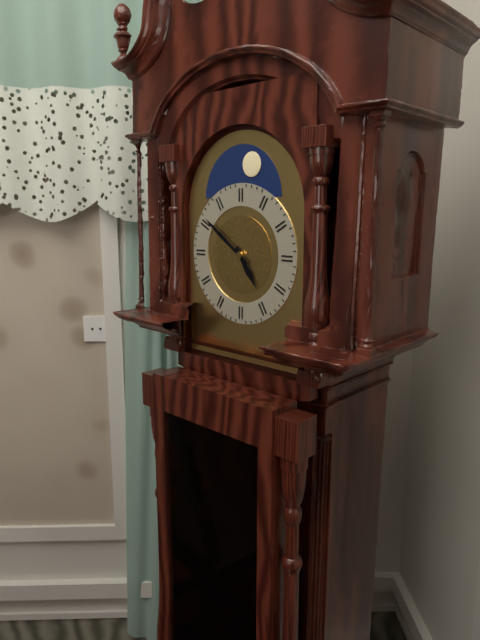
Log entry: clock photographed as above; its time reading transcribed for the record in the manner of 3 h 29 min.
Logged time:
4 h 51 min
